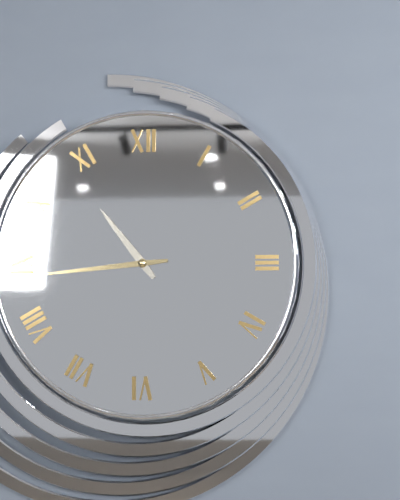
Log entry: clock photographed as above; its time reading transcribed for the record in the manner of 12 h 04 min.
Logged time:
10 h 44 min
